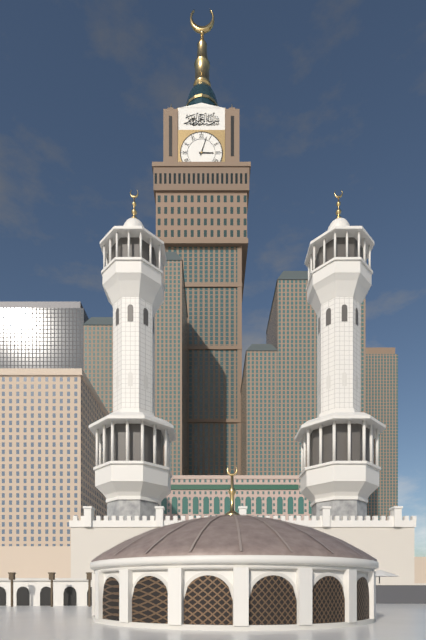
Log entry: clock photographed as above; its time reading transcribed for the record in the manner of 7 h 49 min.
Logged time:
3 h 03 min
